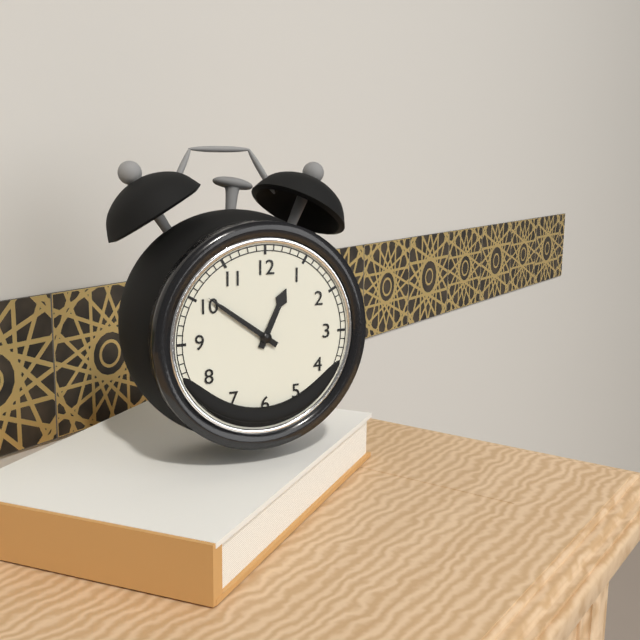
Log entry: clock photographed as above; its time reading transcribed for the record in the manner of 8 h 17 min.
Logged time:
12 h 51 min
